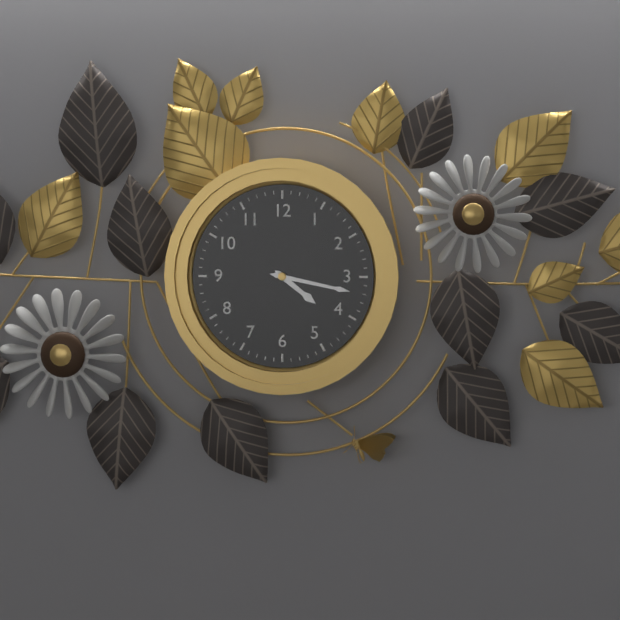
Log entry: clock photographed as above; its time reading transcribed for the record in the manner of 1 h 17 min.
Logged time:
4 h 17 min
